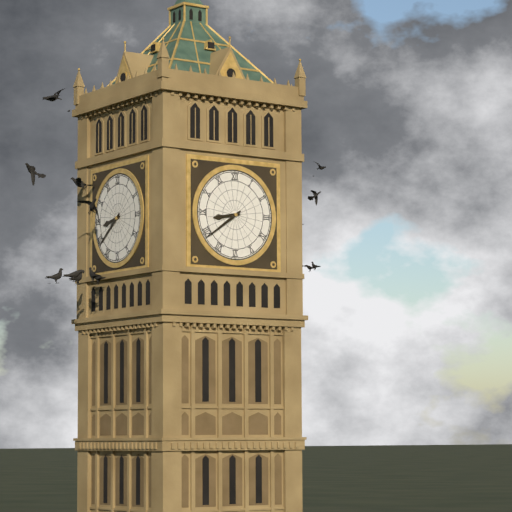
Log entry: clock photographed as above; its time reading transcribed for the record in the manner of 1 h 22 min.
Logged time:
8 h 39 min
